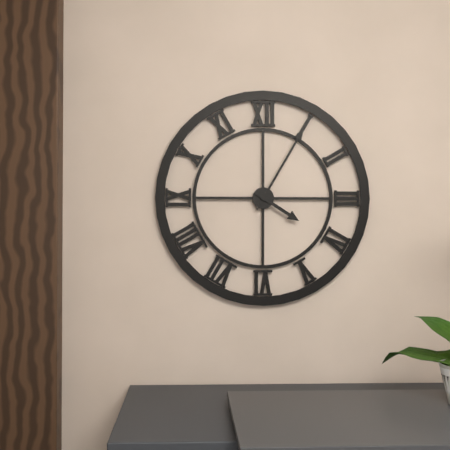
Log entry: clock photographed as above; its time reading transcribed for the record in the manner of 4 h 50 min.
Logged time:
4 h 05 min
